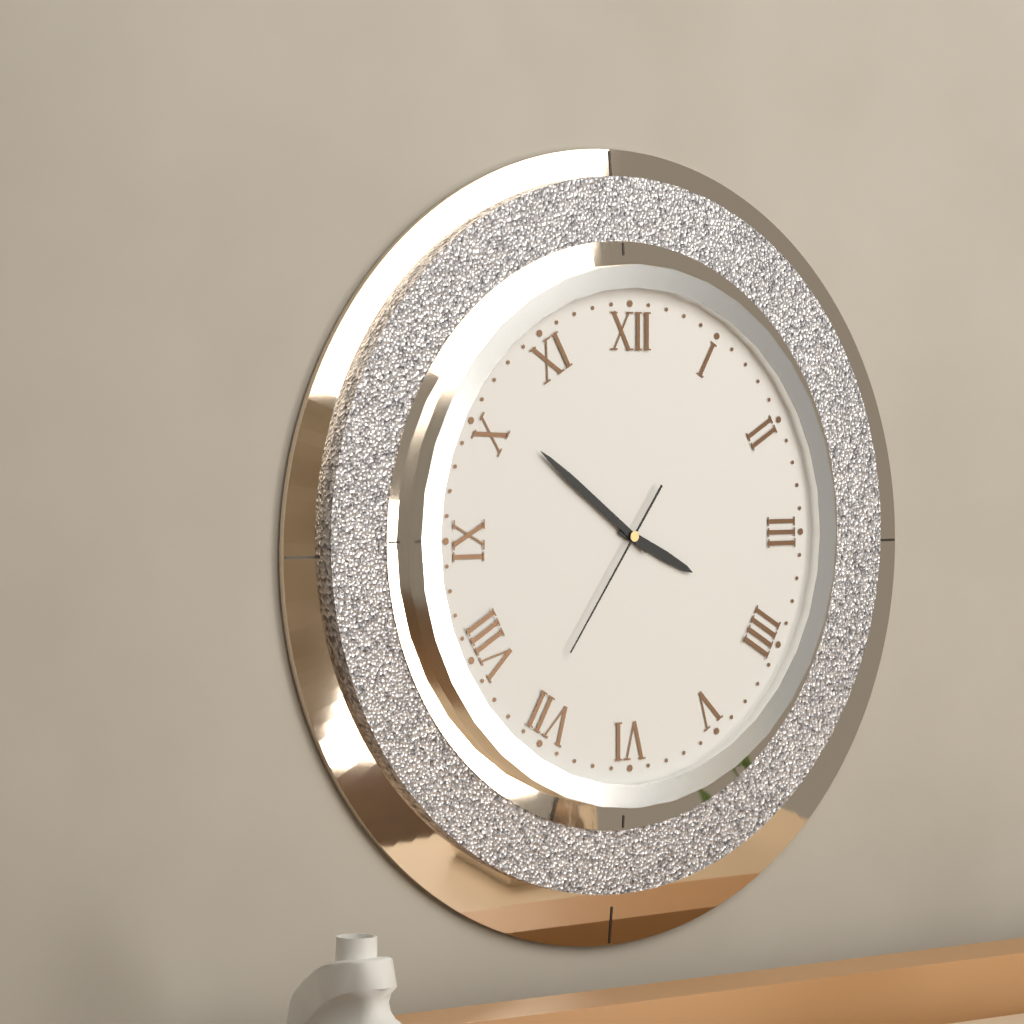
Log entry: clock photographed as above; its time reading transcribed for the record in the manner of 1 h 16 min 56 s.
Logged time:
3 h 51 min 36 s
